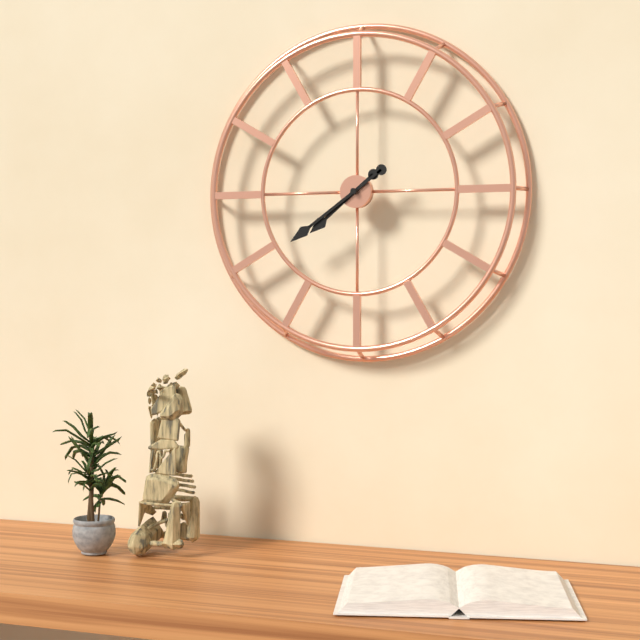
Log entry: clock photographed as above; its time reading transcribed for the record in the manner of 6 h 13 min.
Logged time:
7 h 39 min
